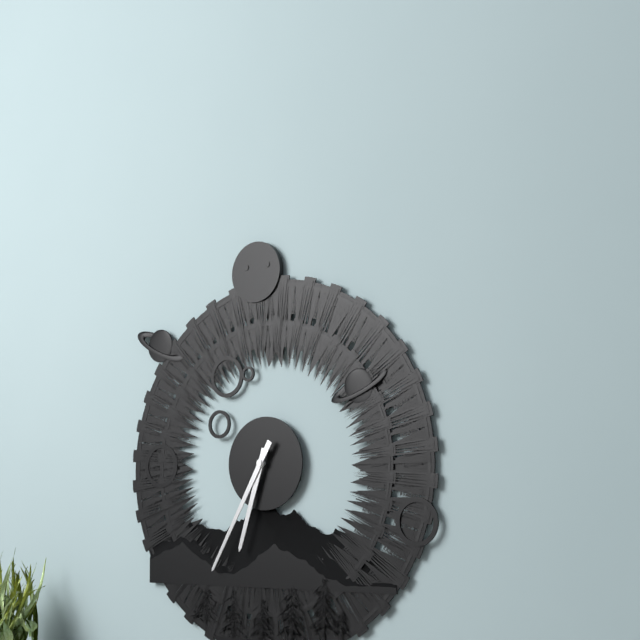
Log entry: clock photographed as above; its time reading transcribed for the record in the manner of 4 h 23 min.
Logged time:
6 h 35 min
